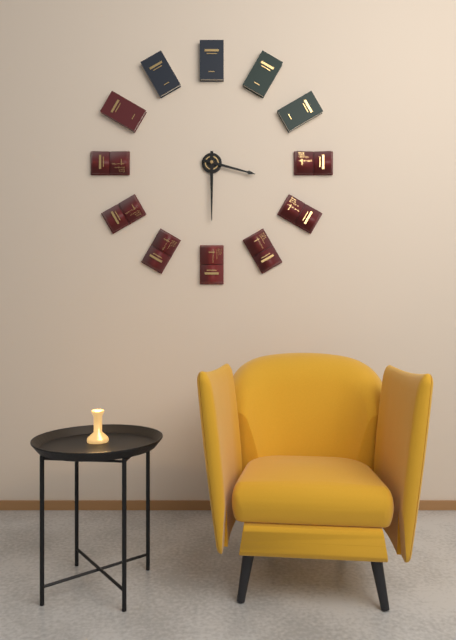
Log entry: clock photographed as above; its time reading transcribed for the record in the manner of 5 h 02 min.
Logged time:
3 h 30 min
